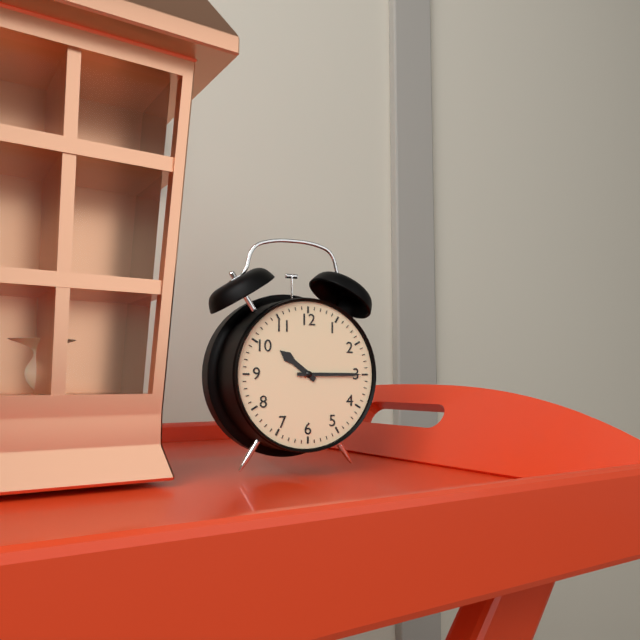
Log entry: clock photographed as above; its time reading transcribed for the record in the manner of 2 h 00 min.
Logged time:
10 h 15 min
